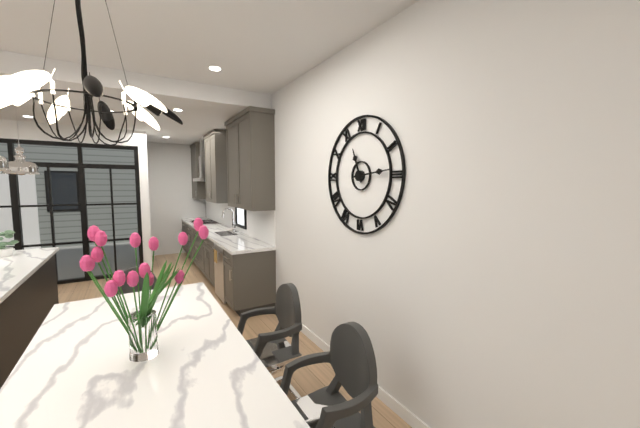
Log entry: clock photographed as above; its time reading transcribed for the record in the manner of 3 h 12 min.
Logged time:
11 h 14 min
